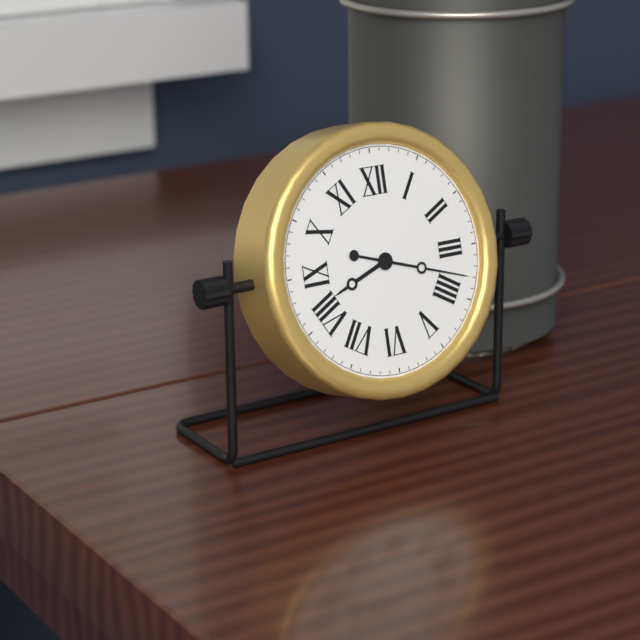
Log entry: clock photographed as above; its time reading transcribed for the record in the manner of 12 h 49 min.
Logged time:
8 h 18 min
